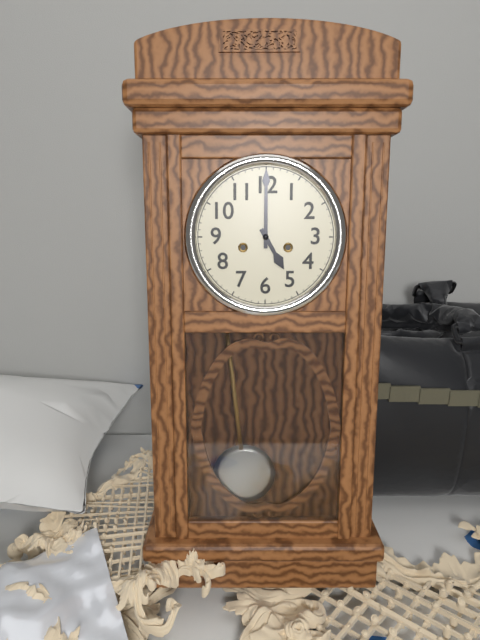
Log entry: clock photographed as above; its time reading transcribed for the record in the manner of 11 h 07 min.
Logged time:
5 h 00 min
